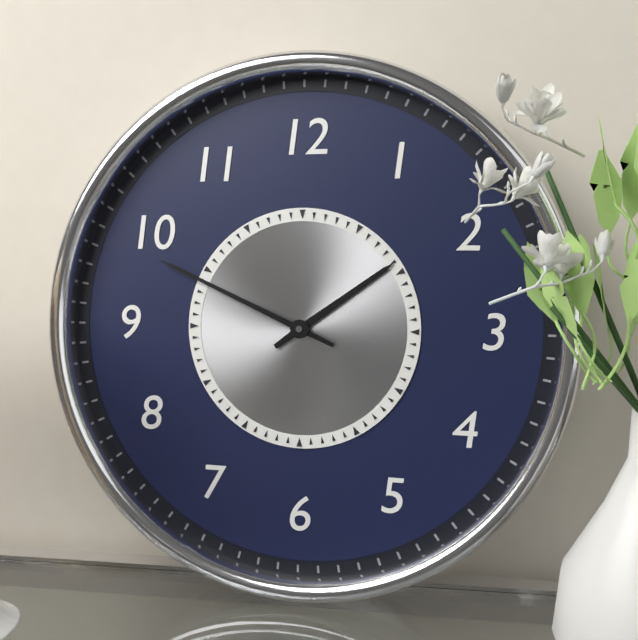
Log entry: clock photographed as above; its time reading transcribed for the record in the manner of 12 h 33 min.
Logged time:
1 h 49 min
